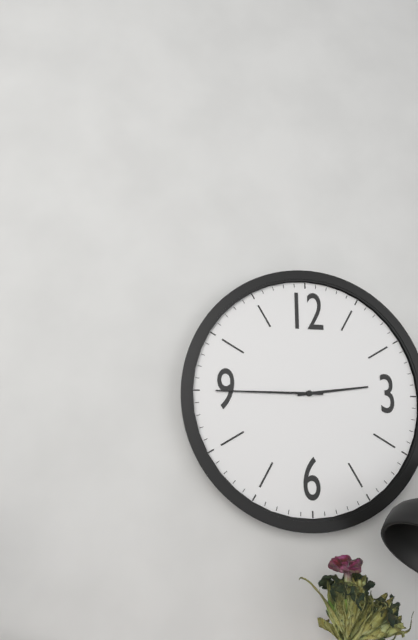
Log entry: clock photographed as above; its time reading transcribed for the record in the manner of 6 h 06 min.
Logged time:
2 h 45 min
